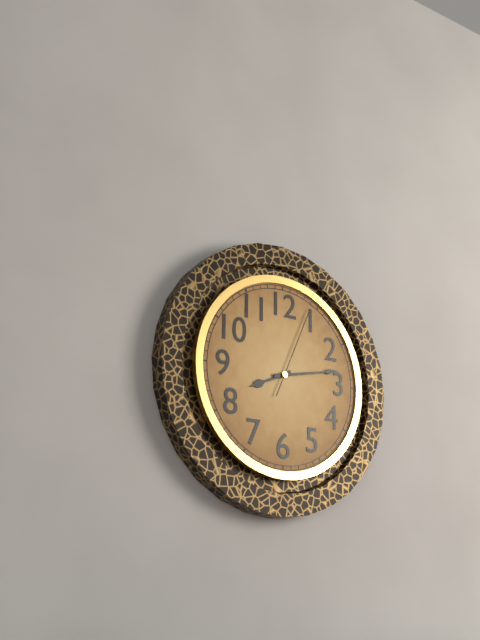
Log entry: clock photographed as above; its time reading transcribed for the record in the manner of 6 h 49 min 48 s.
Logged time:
8 h 13 min 04 s
